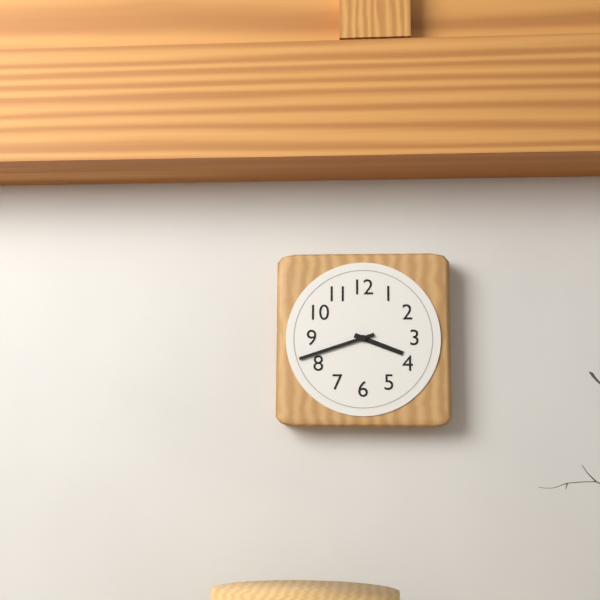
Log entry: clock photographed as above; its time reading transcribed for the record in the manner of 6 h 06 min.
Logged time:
3 h 42 min
